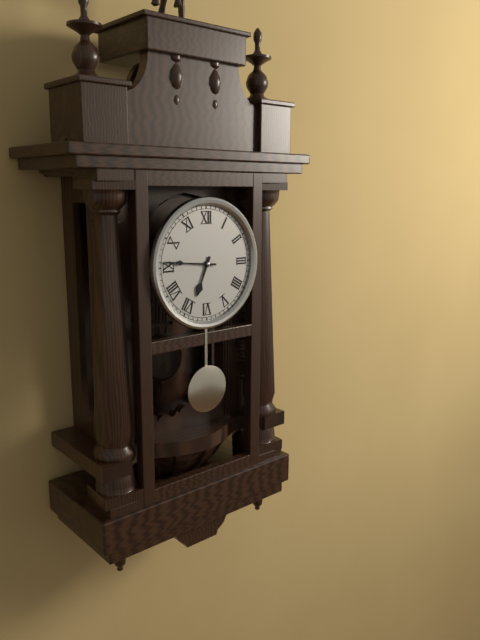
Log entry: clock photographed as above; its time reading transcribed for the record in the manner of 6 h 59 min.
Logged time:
6 h 46 min
